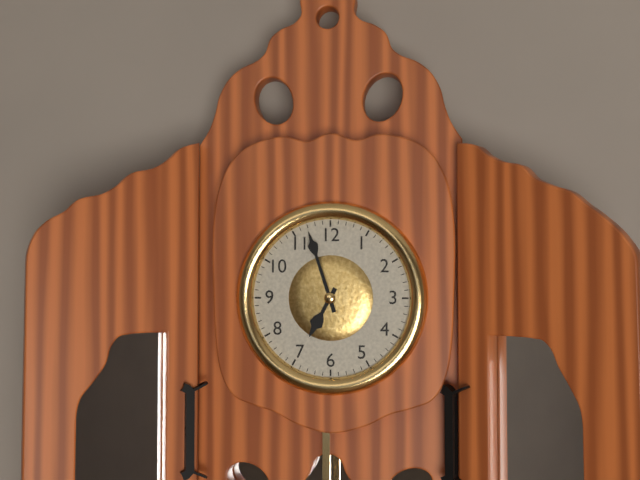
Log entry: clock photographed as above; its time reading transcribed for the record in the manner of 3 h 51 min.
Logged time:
6 h 57 min
